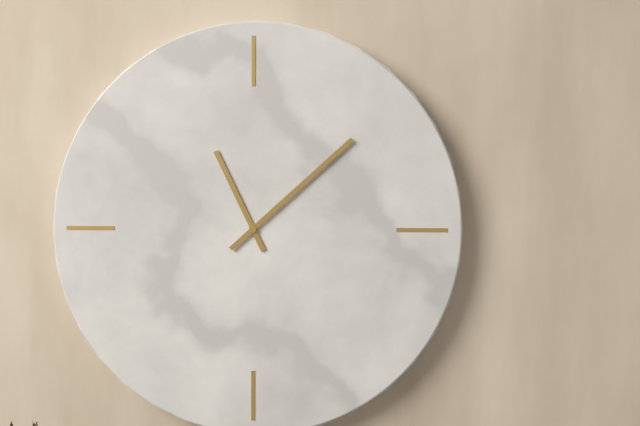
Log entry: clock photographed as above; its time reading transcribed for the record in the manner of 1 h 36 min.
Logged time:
11 h 08 min
